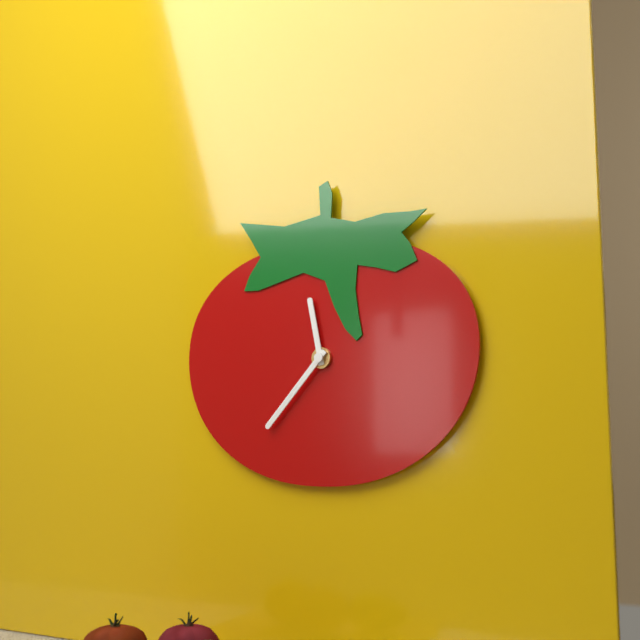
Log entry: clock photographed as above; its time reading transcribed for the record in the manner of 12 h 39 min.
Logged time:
11 h 37 min
